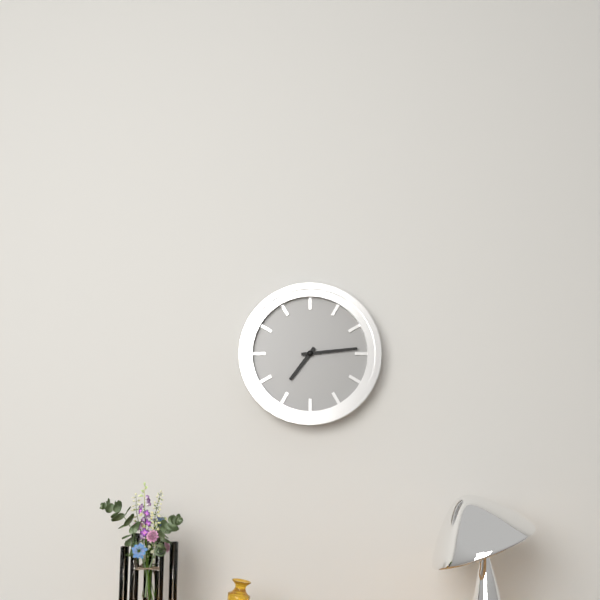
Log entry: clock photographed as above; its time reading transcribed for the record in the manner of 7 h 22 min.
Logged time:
7 h 14 min
